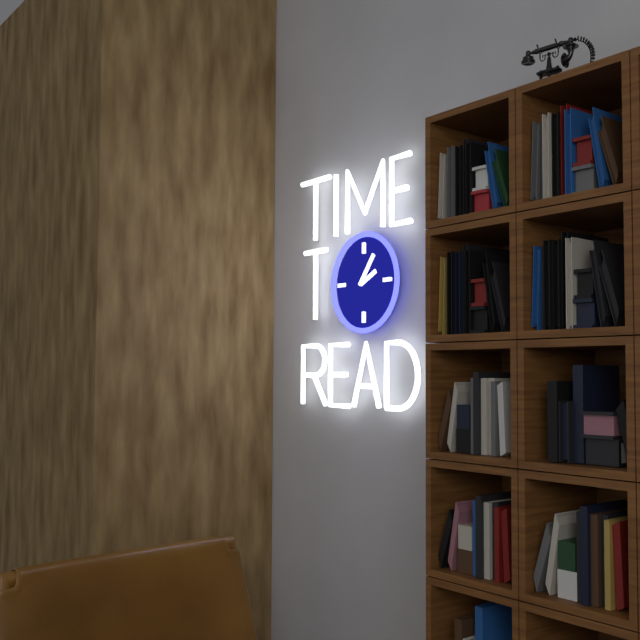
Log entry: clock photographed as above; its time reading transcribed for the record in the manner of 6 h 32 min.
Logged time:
2 h 06 min
